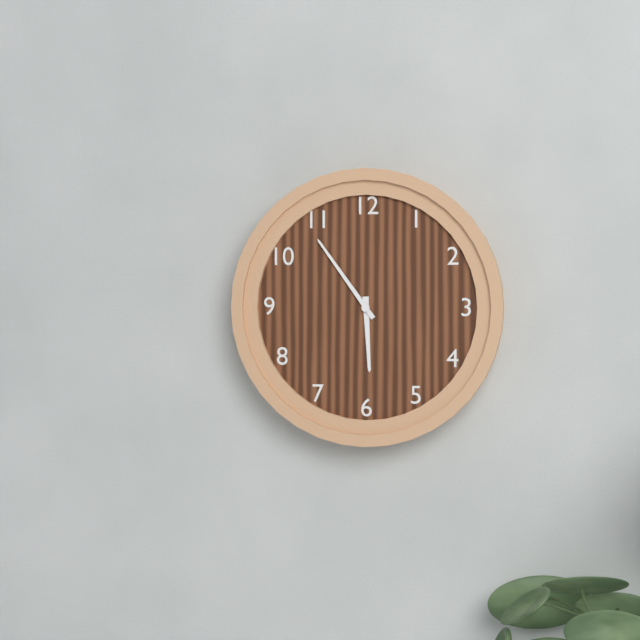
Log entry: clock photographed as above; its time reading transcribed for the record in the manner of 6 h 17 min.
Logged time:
5 h 54 min
